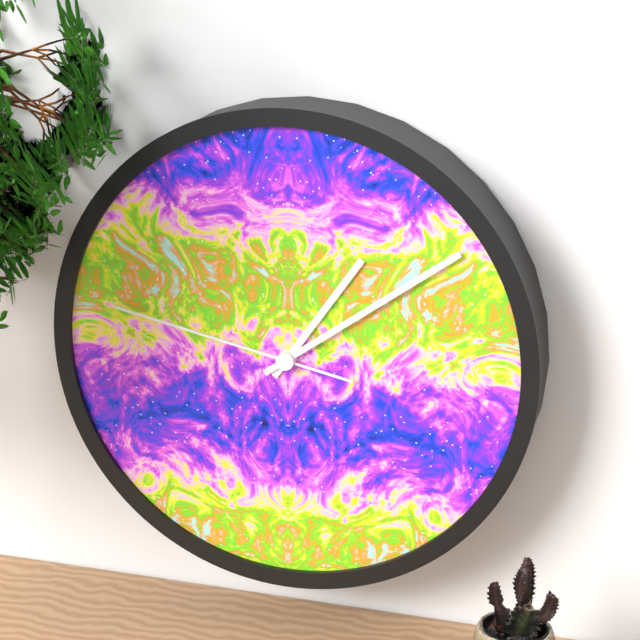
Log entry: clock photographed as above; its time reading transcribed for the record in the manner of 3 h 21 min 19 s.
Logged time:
1 h 09 min 47 s
